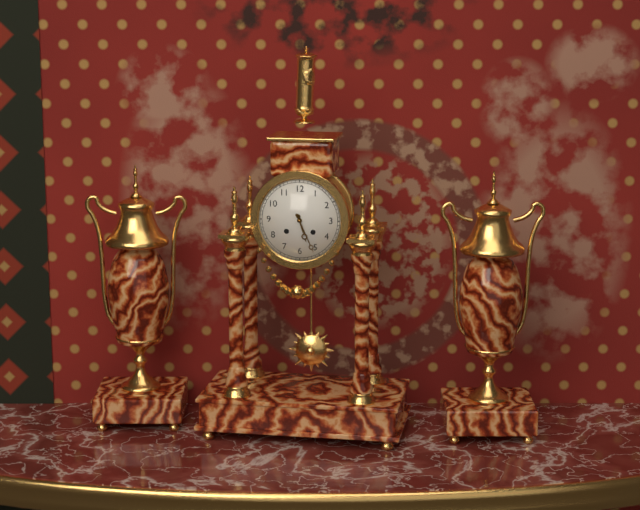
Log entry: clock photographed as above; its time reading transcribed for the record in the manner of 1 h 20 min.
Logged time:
5 h 26 min
